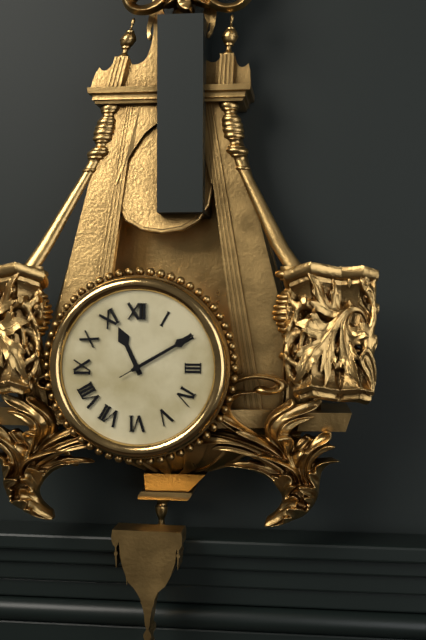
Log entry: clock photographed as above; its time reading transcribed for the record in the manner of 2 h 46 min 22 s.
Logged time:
11 h 10 min 10 s
